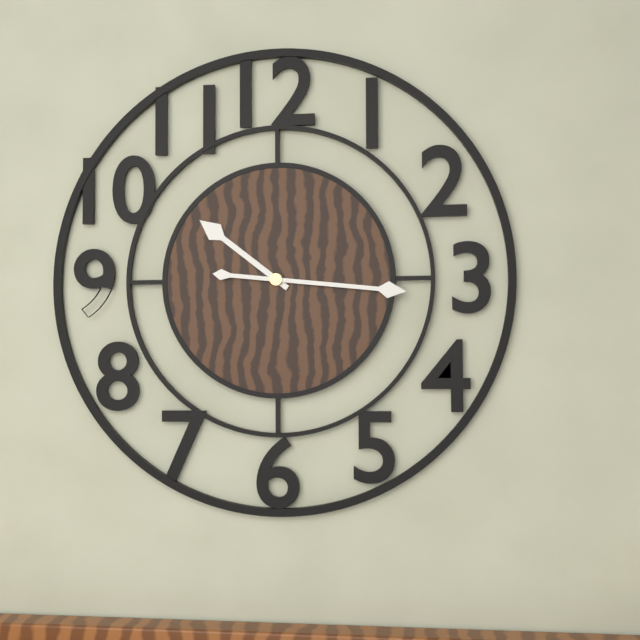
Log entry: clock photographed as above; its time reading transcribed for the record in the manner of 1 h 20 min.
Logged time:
10 h 16 min
